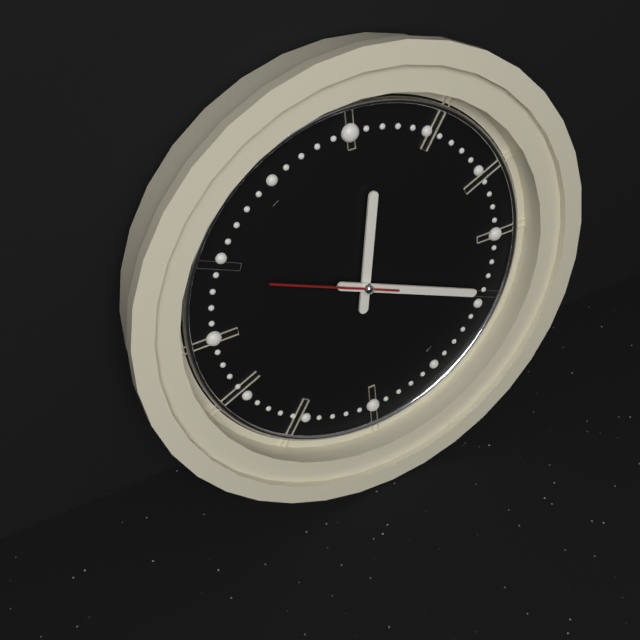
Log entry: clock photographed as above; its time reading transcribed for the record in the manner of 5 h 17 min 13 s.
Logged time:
12 h 19 min 49 s
